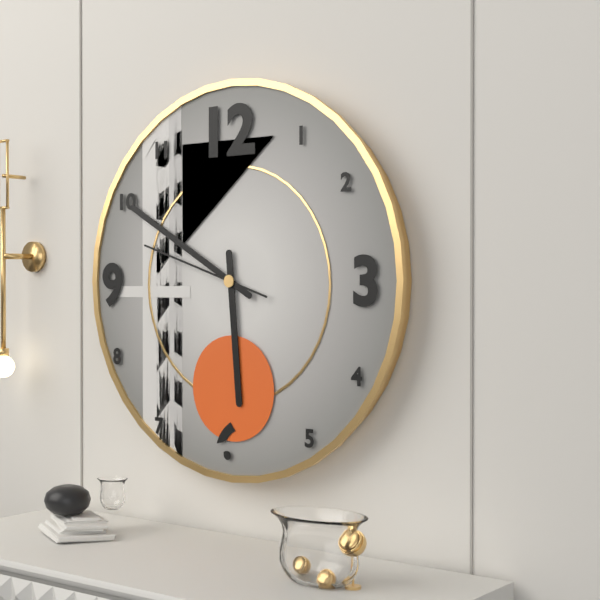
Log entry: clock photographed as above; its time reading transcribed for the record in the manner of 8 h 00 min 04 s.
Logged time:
5 h 50 min 48 s
